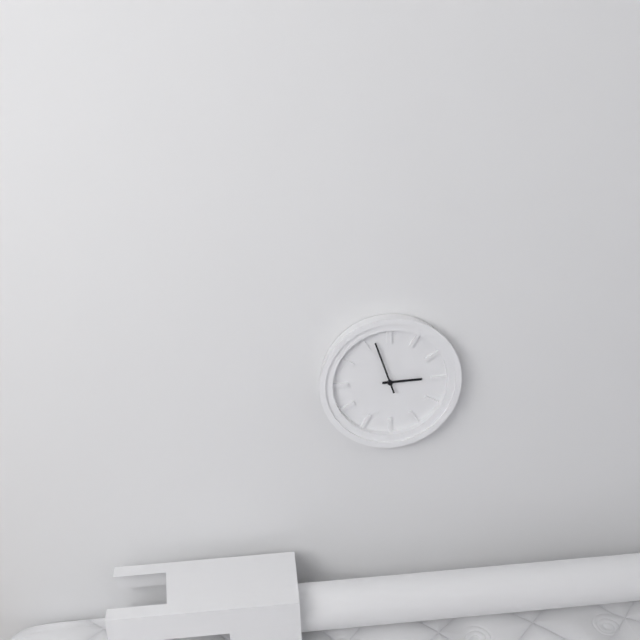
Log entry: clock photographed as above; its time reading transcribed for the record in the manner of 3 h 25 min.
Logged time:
2 h 57 min
